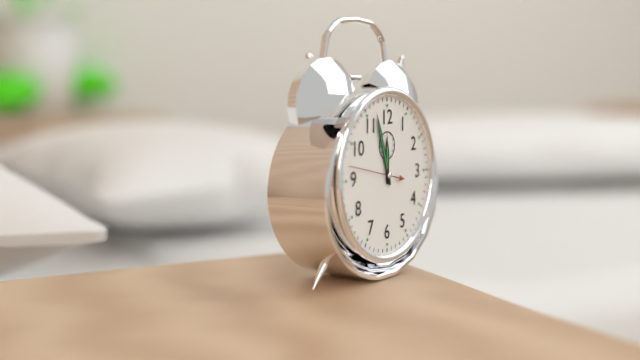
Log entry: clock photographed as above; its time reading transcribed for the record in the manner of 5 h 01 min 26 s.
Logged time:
11 h 57 min 47 s
